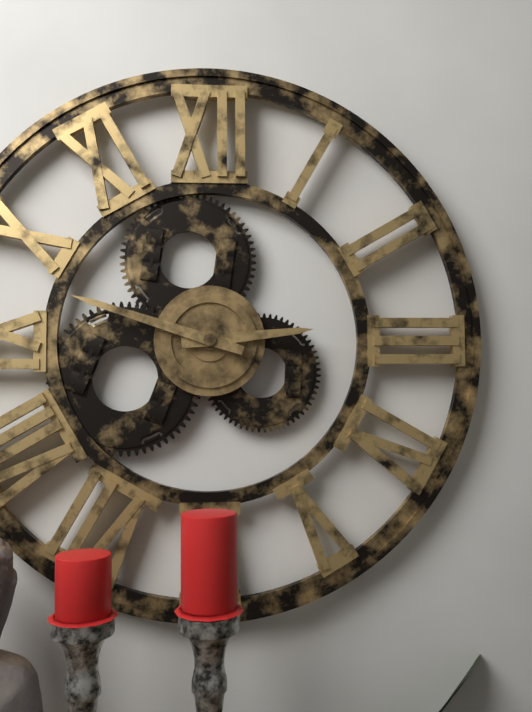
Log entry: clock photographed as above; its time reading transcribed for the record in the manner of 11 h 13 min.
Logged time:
2 h 48 min
